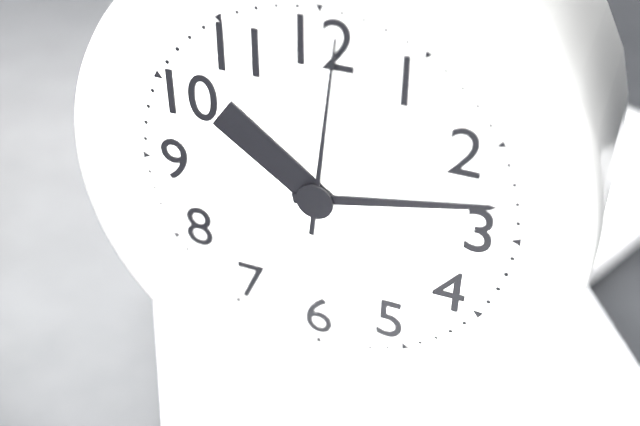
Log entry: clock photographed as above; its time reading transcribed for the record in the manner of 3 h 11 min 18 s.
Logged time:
10 h 13 min 01 s
